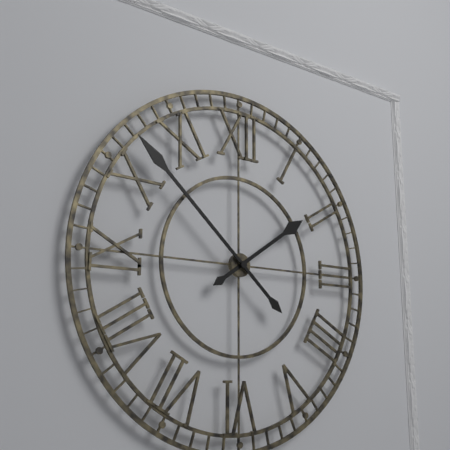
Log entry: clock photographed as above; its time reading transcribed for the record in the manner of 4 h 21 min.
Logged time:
1 h 52 min
